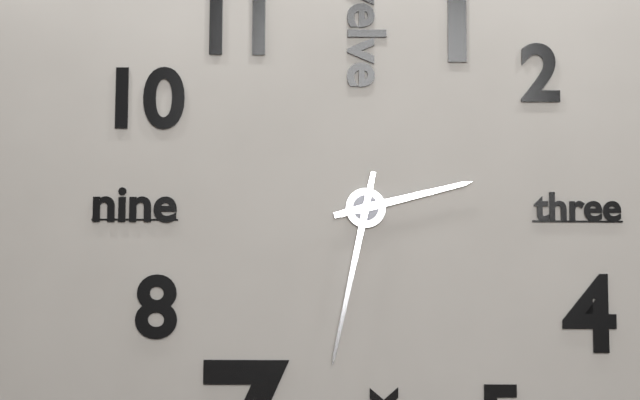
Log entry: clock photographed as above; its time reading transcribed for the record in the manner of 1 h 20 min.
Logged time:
2 h 32 min
